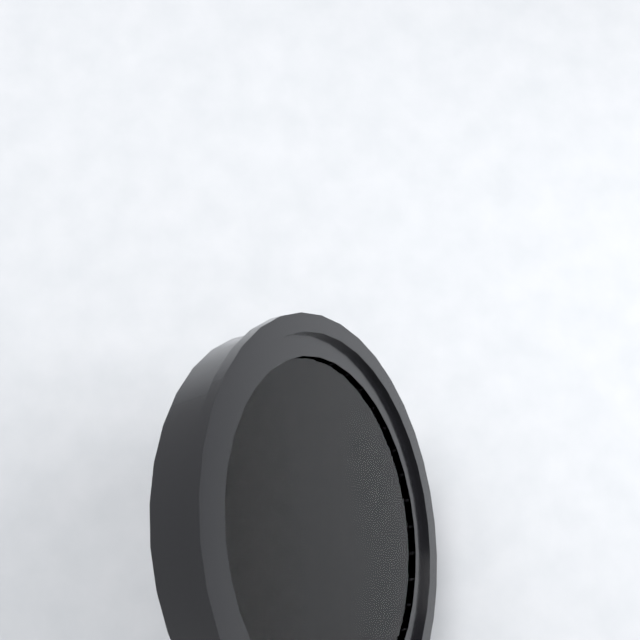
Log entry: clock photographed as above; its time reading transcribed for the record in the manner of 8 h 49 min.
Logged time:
1 h 54 min
